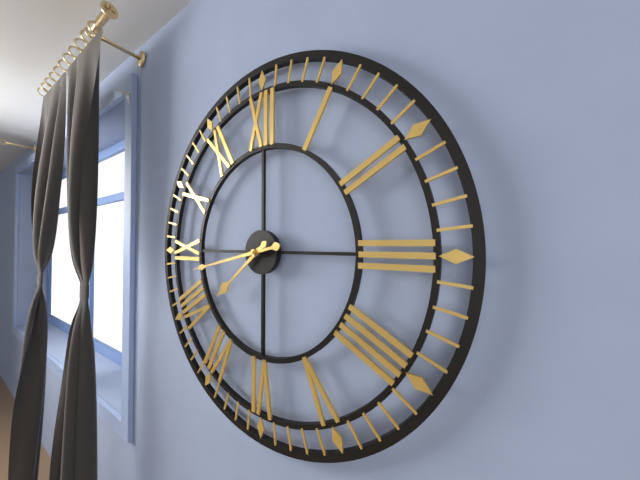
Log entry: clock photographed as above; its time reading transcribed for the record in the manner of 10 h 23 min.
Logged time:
7 h 43 min
